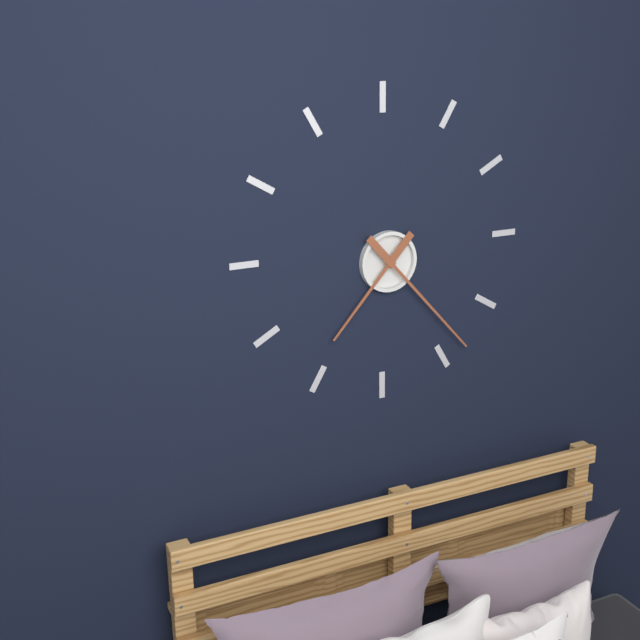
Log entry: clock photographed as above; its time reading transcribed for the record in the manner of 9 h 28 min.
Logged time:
7 h 23 min
